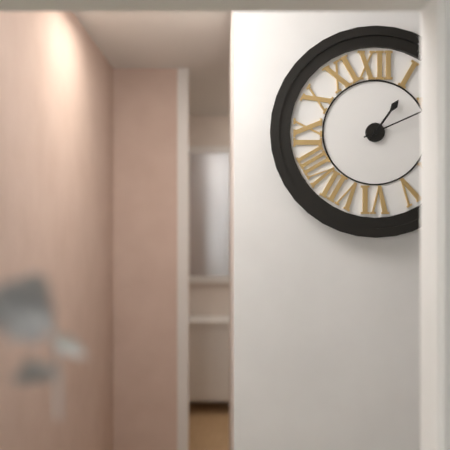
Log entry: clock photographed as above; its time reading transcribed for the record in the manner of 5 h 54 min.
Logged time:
1 h 11 min
